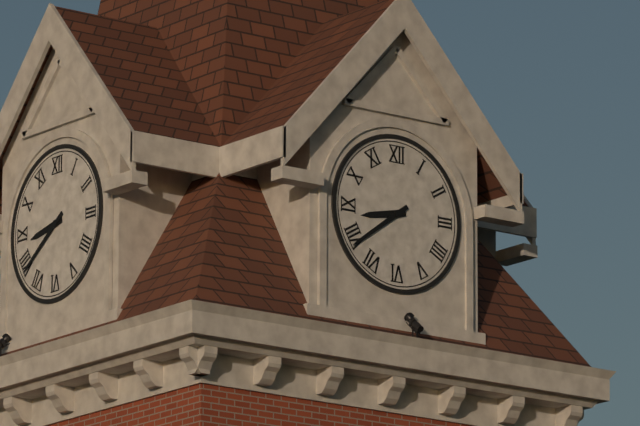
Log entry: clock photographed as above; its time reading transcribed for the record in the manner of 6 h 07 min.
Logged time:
8 h 39 min
